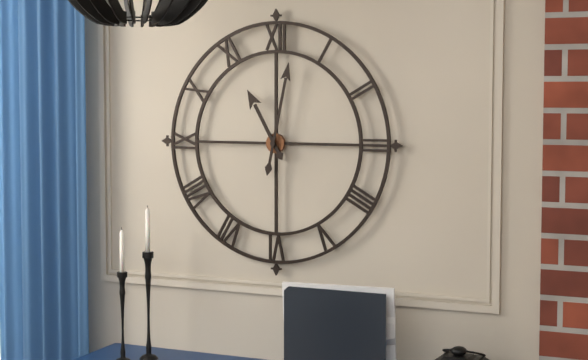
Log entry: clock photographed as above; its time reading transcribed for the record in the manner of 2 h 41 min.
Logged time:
11 h 02 min
